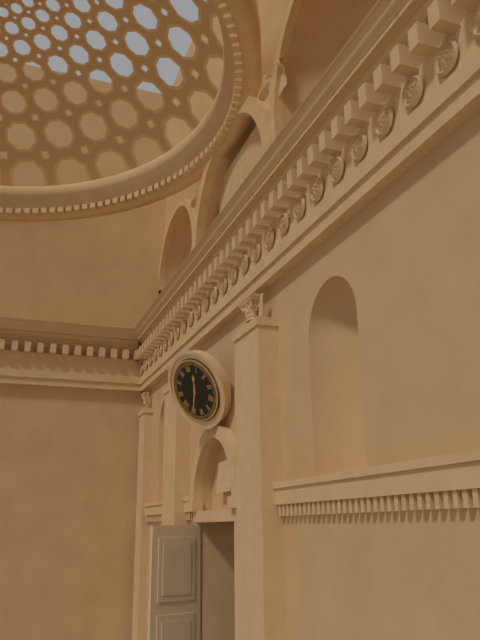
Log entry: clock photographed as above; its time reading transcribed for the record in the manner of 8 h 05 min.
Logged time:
12 h 35 min
